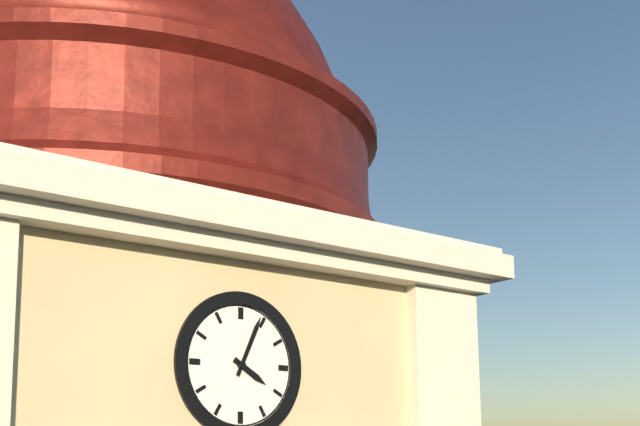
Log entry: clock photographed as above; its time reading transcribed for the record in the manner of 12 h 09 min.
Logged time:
4 h 04 min
